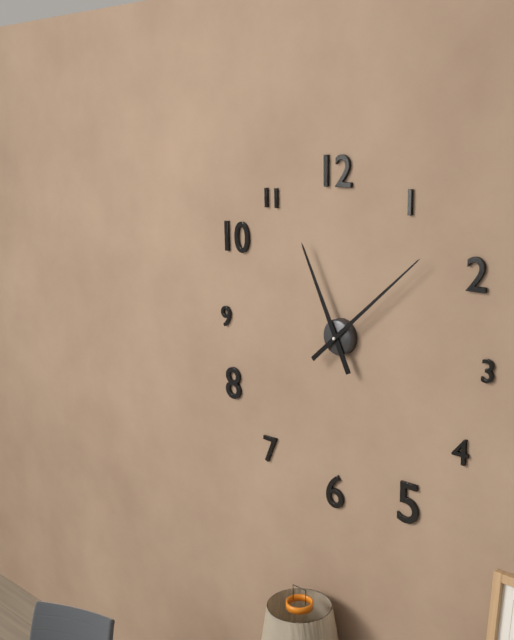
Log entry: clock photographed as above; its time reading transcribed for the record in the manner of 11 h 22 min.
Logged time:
11 h 08 min
